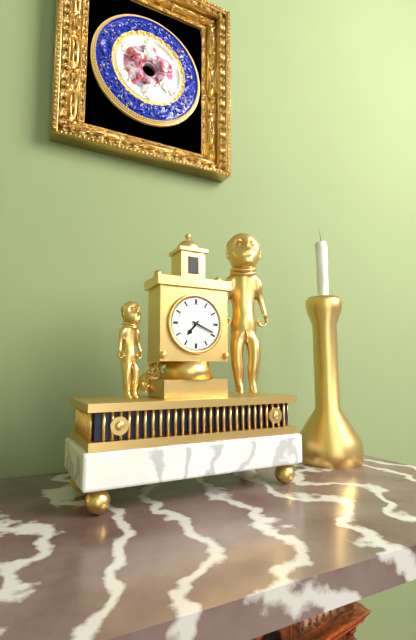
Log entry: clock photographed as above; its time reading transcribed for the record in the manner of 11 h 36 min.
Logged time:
7 h 19 min
